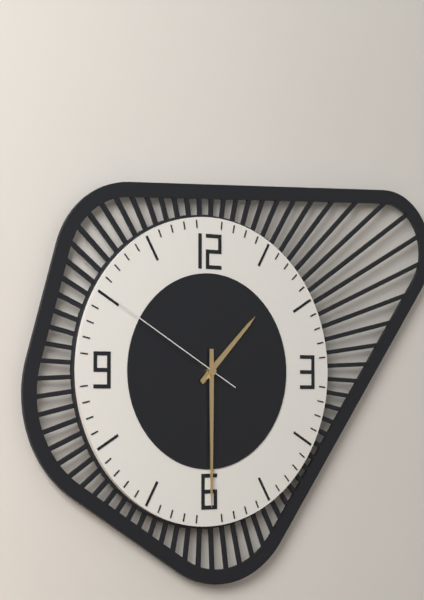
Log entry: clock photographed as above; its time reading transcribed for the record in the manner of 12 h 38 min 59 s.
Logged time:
1 h 30 min 50 s
